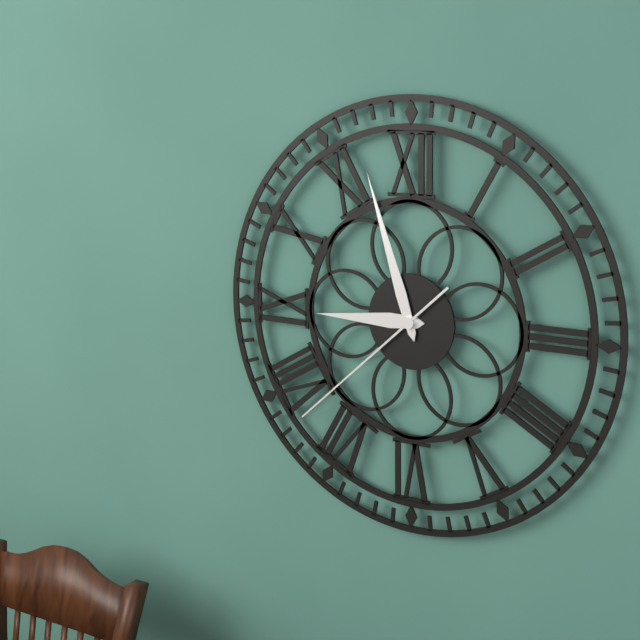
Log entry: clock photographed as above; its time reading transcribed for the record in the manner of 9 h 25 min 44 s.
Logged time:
8 h 57 min 38 s
